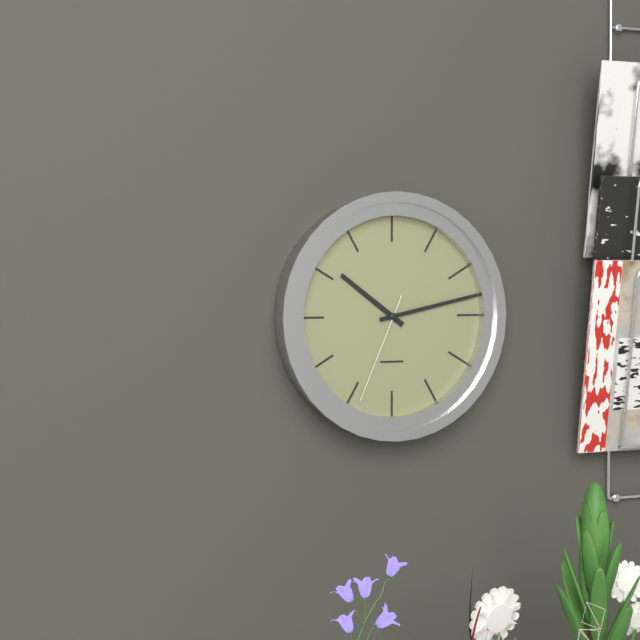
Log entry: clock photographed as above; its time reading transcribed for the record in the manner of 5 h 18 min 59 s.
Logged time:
10 h 13 min 34 s
